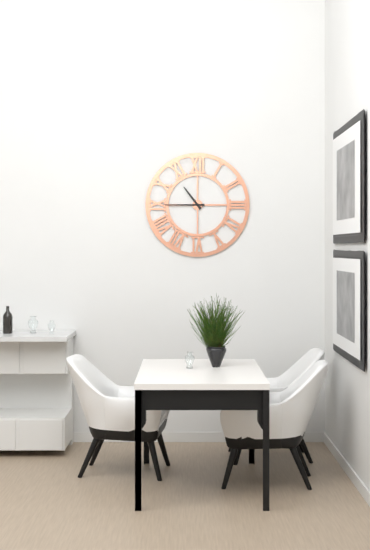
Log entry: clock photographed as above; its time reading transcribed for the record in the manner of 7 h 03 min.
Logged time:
10 h 45 min
